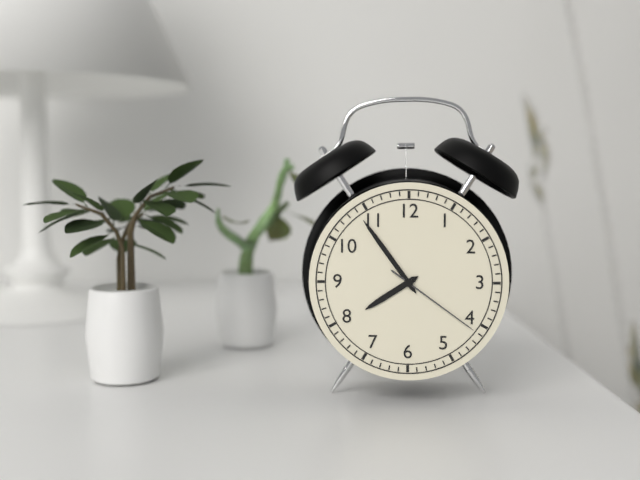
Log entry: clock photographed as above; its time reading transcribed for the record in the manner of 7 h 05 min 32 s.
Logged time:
7 h 54 min 21 s
